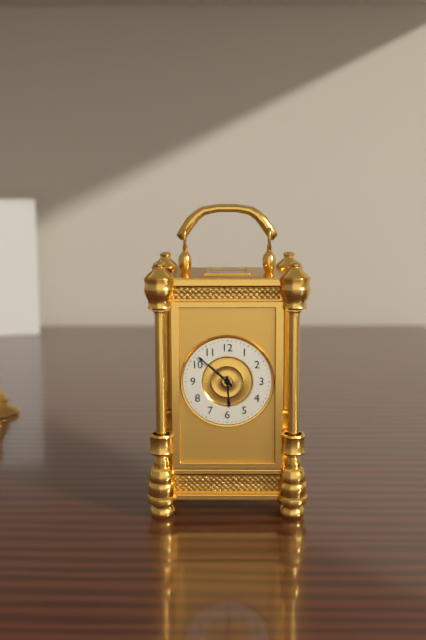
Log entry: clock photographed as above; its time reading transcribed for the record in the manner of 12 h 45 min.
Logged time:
5 h 52 min
